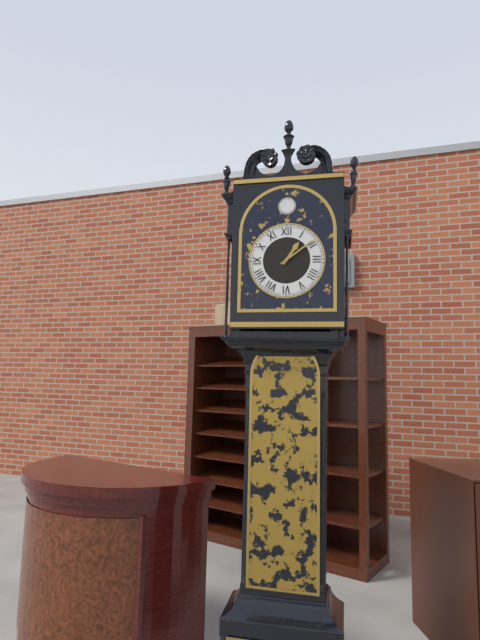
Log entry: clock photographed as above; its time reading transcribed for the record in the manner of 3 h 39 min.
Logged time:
1 h 09 min
